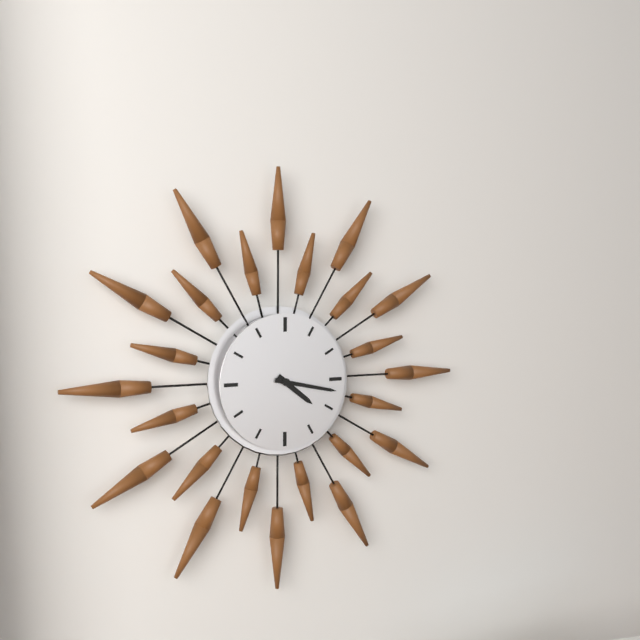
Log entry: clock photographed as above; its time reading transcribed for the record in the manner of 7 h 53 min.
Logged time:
4 h 17 min
